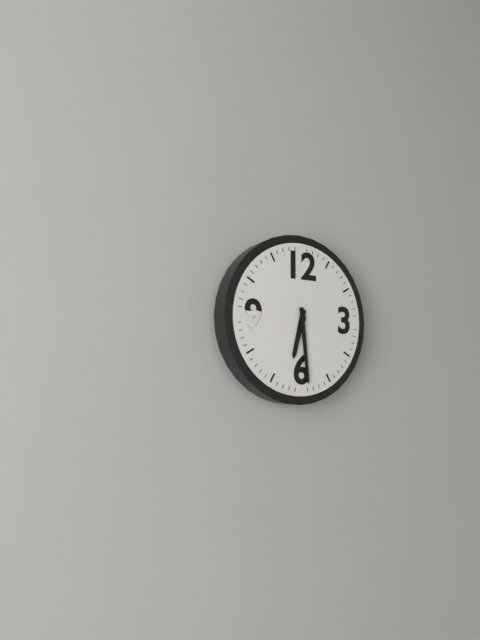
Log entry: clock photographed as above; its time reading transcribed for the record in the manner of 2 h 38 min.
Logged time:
6 h 29 min
